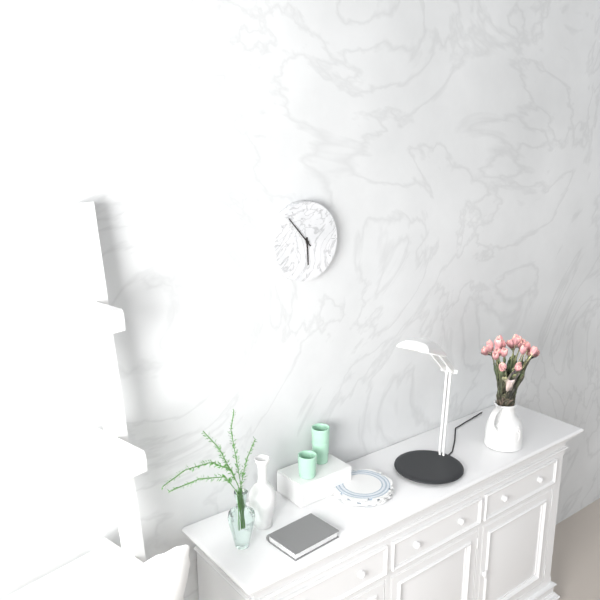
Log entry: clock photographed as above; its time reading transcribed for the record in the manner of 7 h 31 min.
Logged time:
5 h 53 min
